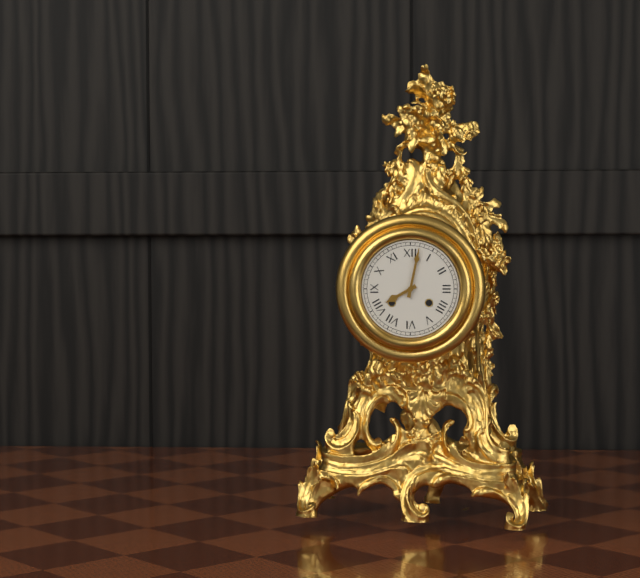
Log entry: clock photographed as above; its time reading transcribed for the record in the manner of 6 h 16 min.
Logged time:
8 h 02 min
